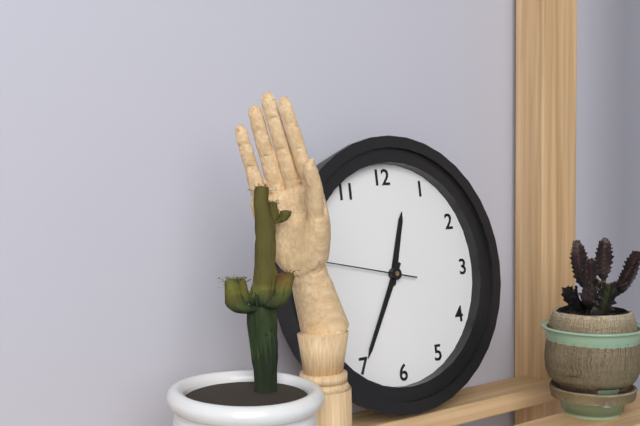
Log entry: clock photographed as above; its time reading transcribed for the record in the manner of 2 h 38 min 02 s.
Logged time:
12 h 35 min 47 s
